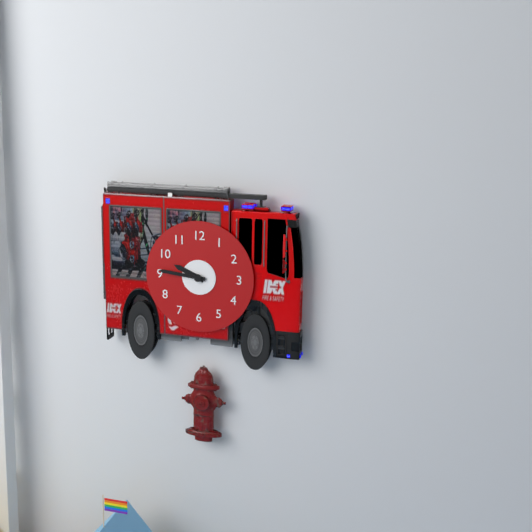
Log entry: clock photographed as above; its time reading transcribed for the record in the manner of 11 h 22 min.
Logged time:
9 h 46 min
